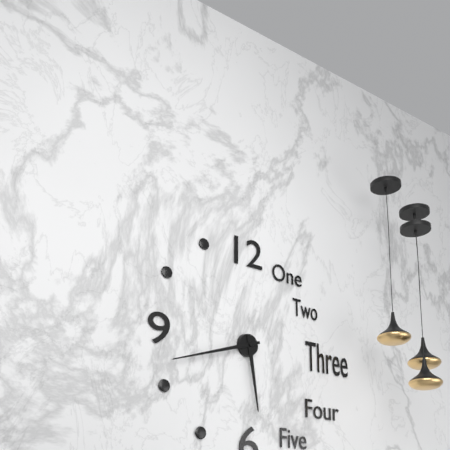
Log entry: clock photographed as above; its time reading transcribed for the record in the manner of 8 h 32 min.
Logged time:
5 h 42 min
